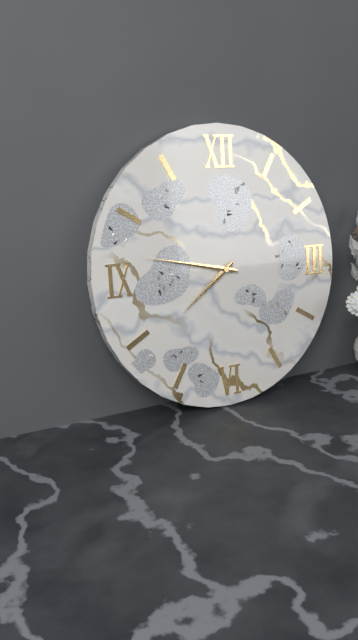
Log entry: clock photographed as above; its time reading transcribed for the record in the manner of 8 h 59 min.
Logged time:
7 h 47 min
